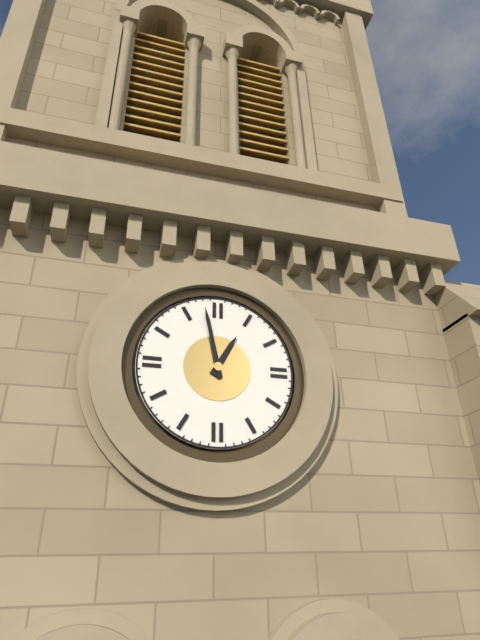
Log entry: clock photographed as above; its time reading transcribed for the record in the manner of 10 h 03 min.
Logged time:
12 h 58 min
